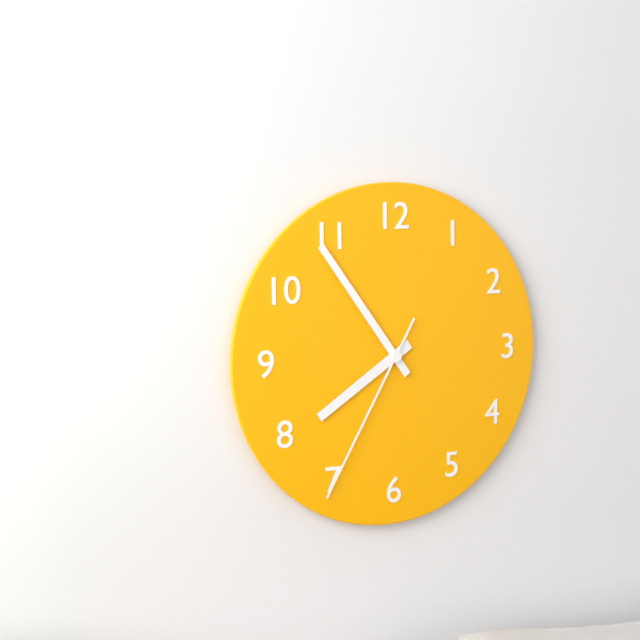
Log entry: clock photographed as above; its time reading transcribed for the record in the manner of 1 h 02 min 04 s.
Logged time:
7 h 54 min 35 s
